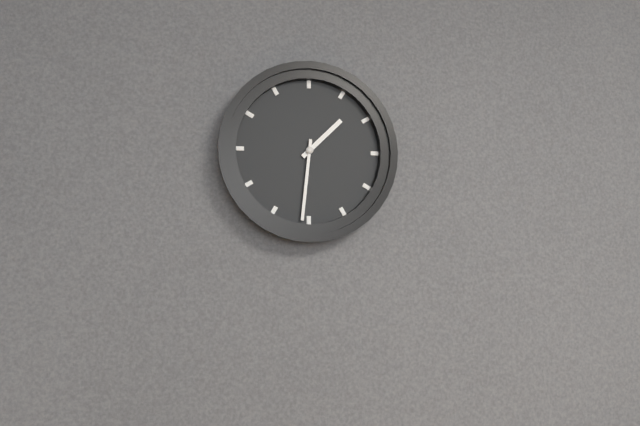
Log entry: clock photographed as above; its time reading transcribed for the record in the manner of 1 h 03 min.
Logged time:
1 h 31 min
